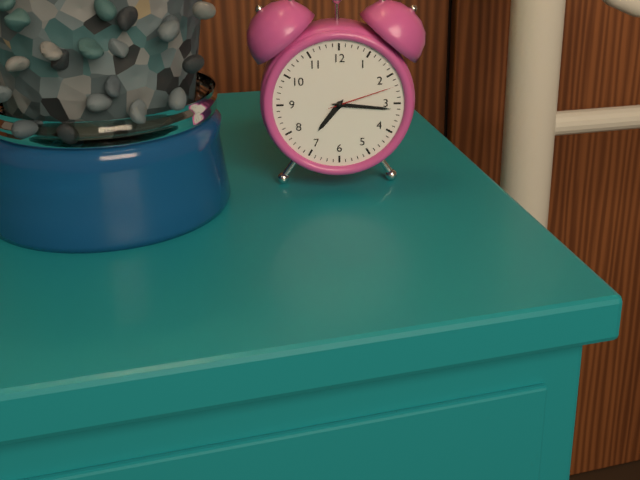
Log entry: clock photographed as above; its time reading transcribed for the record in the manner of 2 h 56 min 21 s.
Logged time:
7 h 16 min 12 s
